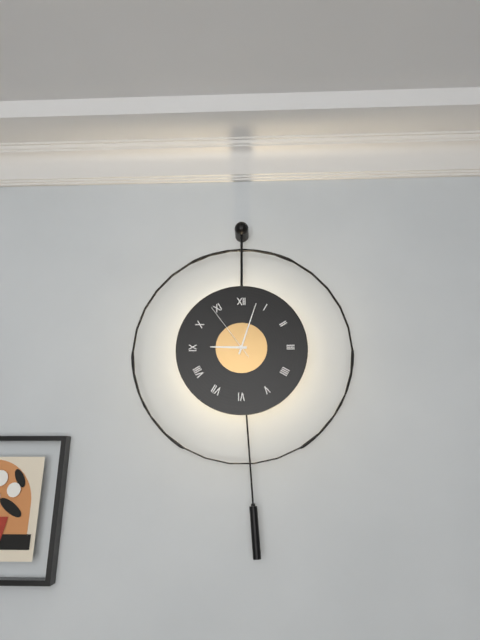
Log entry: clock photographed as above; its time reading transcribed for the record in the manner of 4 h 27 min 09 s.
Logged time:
9 h 03 min 54 s
